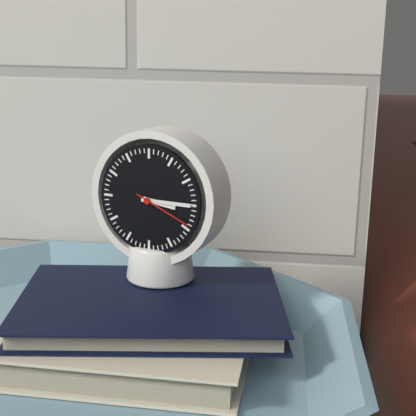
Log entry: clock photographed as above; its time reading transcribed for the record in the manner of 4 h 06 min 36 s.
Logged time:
3 h 15 min 19 s
